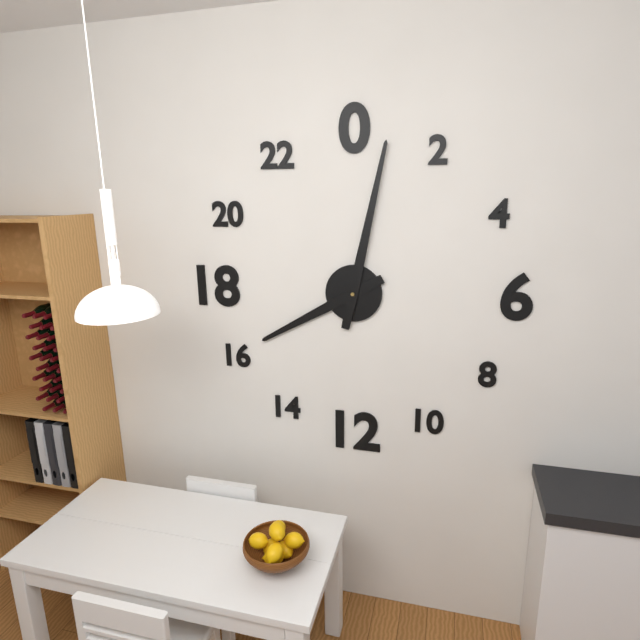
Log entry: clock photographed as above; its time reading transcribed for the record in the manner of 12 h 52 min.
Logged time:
8 h 02 min
